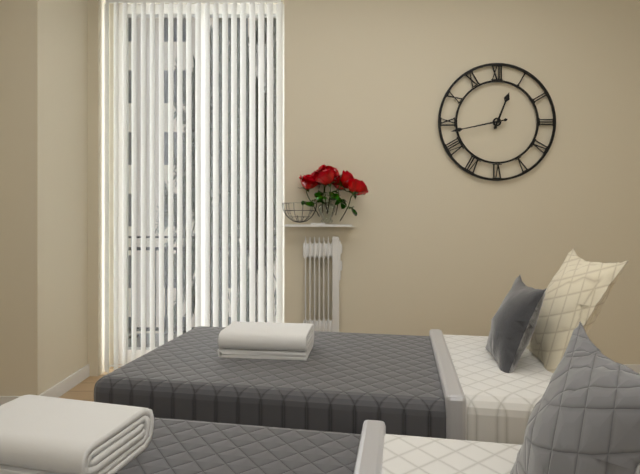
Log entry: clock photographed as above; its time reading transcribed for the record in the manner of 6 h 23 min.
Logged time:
12 h 43 min
